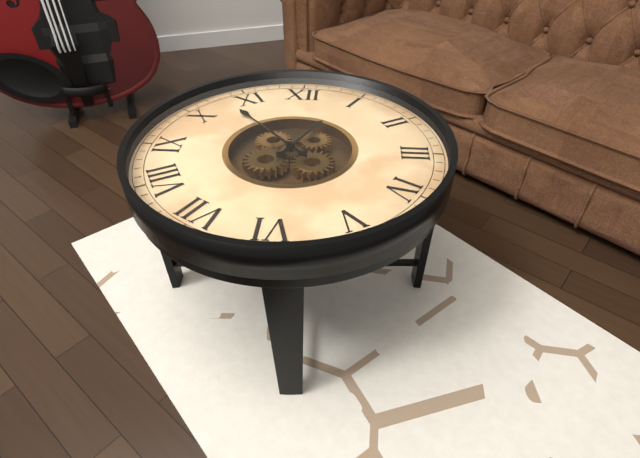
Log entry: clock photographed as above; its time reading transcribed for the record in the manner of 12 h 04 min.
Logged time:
12 h 53 min
